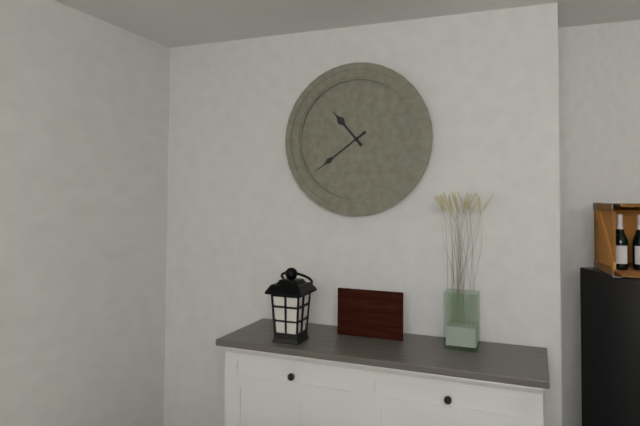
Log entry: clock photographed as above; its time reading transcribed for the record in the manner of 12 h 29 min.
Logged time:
10 h 39 min
